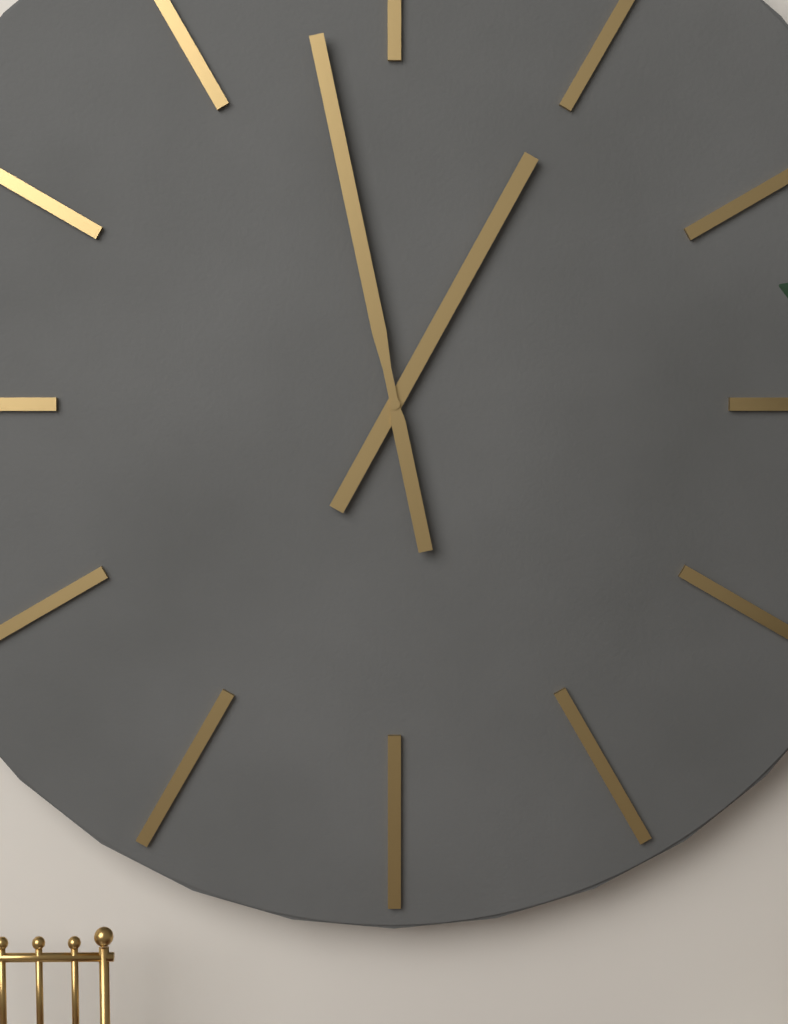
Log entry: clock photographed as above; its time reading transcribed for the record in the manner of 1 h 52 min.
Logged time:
12 h 58 min
